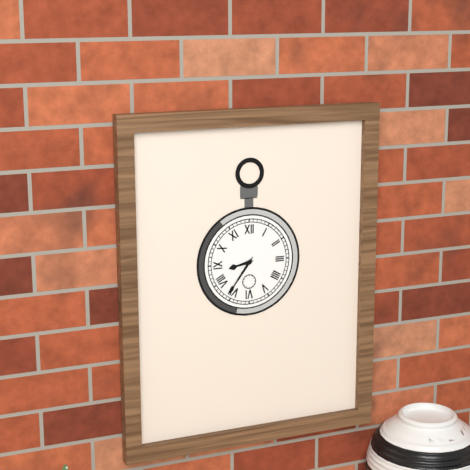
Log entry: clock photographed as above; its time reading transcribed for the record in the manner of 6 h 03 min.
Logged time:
8 h 36 min
